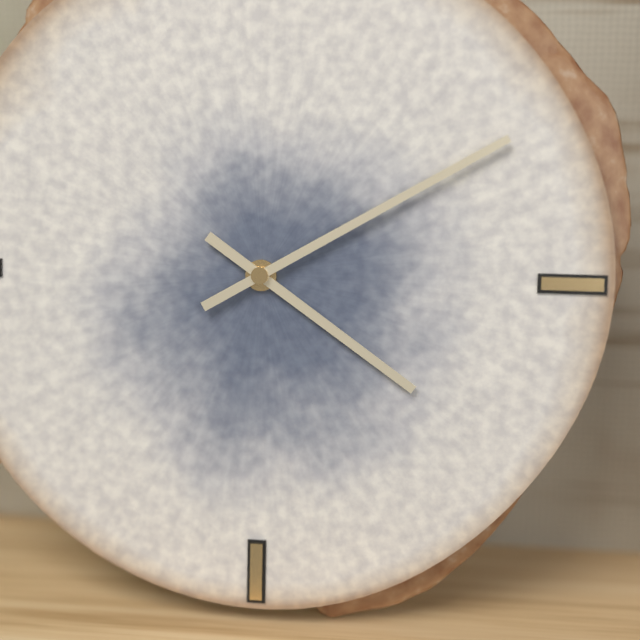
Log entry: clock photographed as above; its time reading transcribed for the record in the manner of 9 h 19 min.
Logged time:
4 h 10 min
